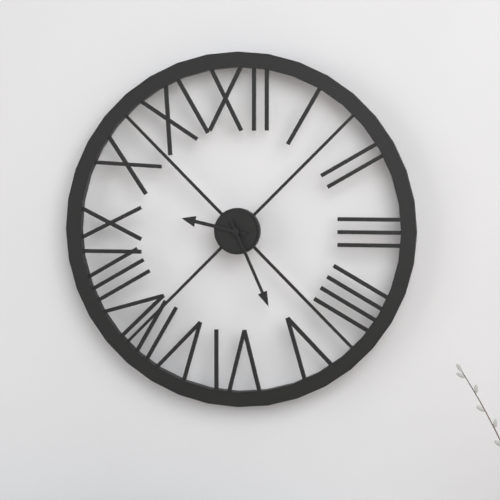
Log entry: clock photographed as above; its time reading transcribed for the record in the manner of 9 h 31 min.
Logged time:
9 h 26 min
